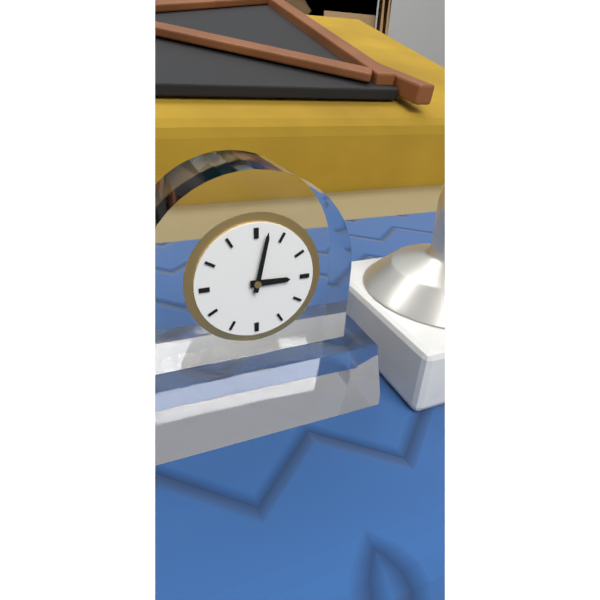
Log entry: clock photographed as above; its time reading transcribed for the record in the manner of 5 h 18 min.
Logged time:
3 h 02 min
